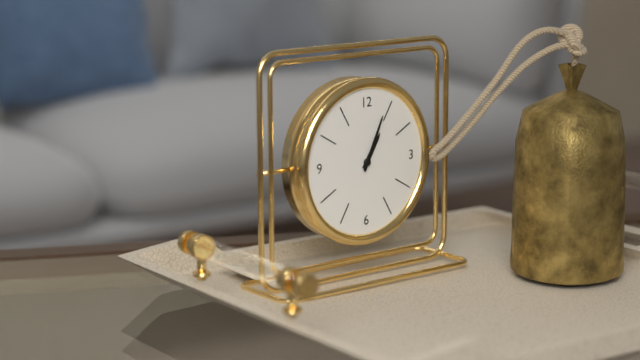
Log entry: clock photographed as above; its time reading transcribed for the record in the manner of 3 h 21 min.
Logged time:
1 h 04 min
